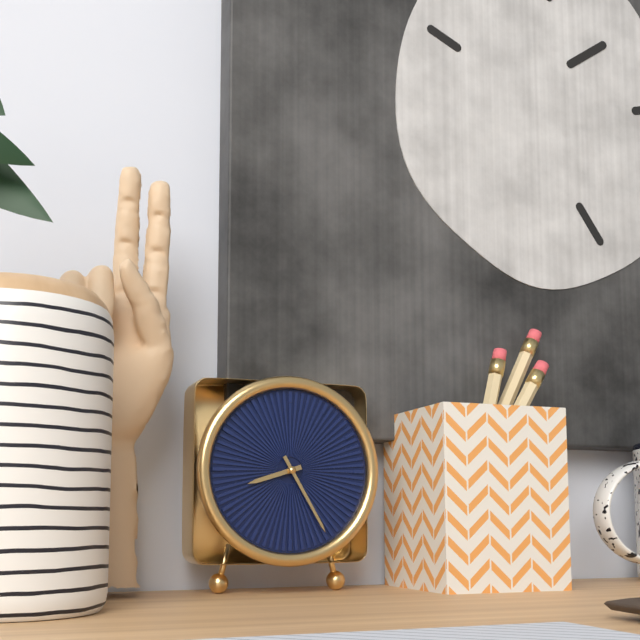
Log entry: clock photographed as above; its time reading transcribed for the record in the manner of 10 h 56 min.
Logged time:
8 h 25 min
